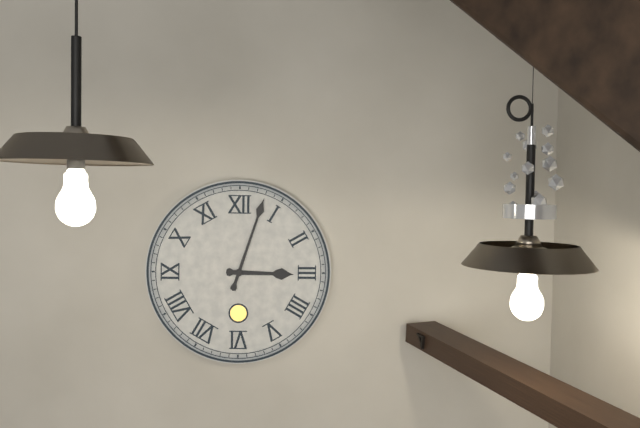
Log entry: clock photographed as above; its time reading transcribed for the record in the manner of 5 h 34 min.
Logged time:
3 h 03 min
